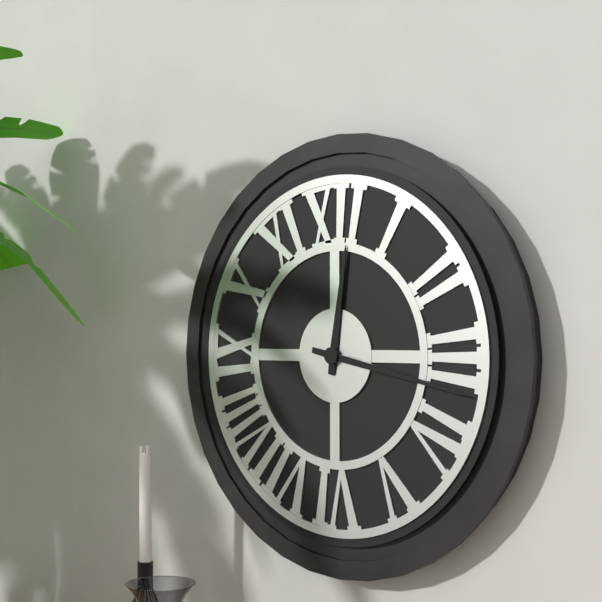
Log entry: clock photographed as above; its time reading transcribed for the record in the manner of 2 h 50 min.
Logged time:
12 h 17 min
